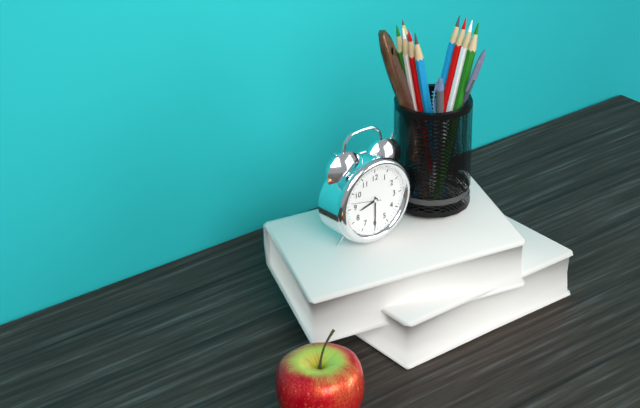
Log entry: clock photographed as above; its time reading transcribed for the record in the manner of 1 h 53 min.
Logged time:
8 h 30 min
